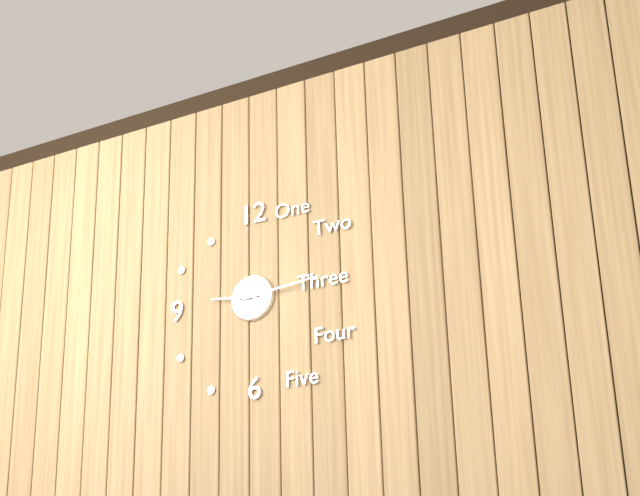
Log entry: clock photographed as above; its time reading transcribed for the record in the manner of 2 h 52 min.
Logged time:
9 h 14 min
